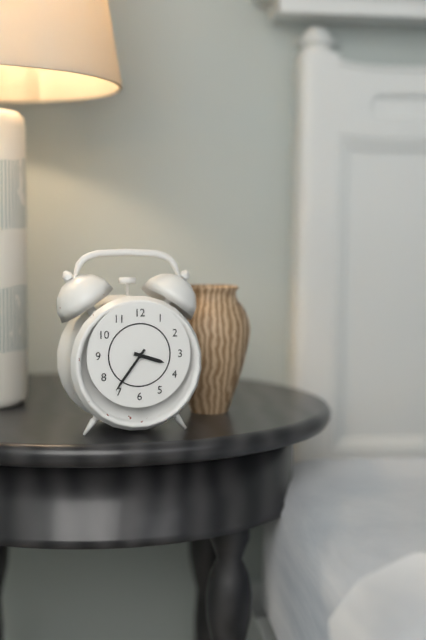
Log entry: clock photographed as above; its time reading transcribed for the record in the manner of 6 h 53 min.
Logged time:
3 h 36 min
